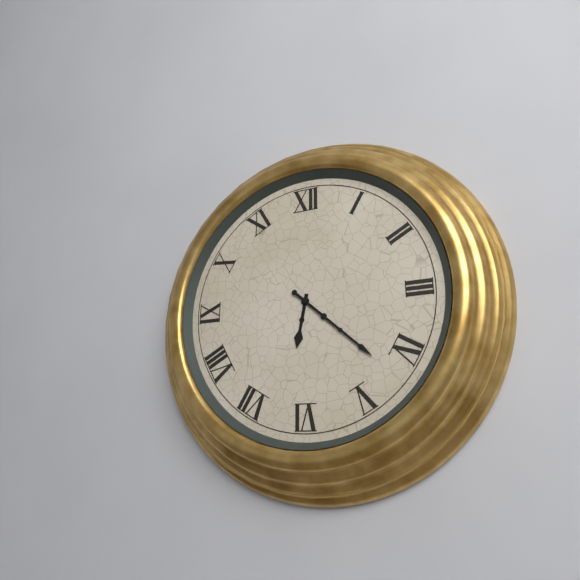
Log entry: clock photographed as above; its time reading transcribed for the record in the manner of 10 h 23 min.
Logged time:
6 h 22 min
